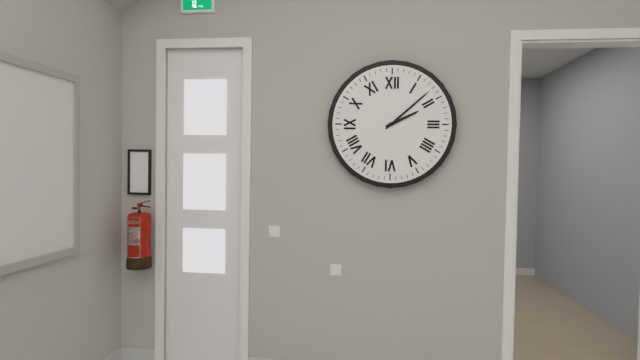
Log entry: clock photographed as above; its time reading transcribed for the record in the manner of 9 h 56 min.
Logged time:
2 h 08 min
